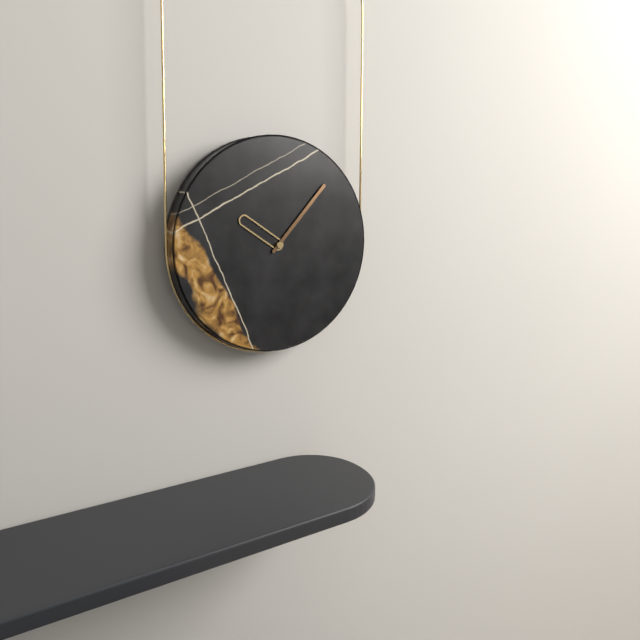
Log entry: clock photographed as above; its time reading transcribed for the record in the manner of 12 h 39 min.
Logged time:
10 h 07 min
